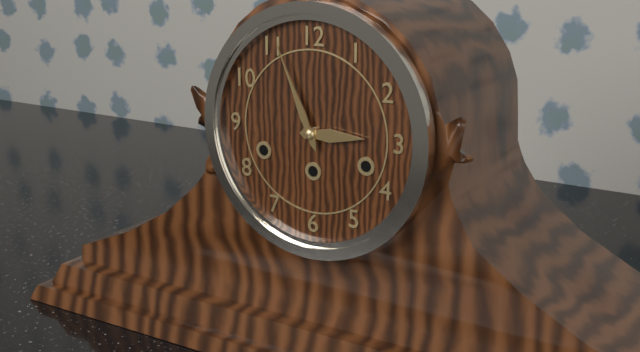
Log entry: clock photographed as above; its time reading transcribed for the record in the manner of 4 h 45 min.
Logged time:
2 h 56 min
